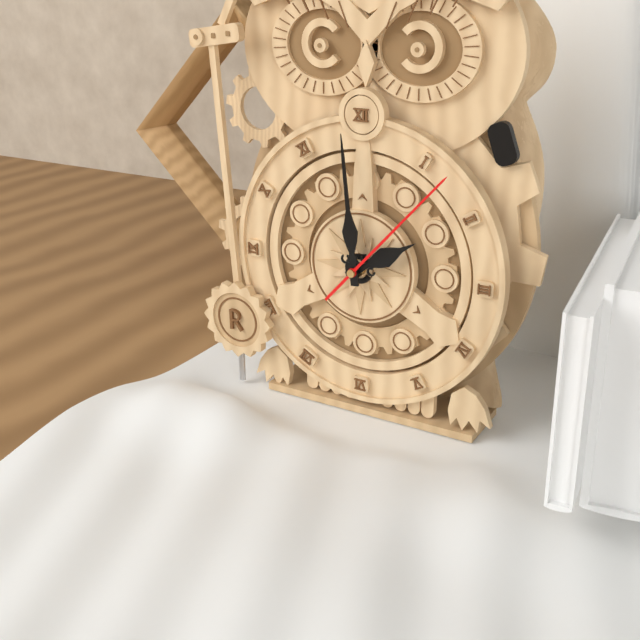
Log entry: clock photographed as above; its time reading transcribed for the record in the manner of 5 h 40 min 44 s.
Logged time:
1 h 59 min 07 s
